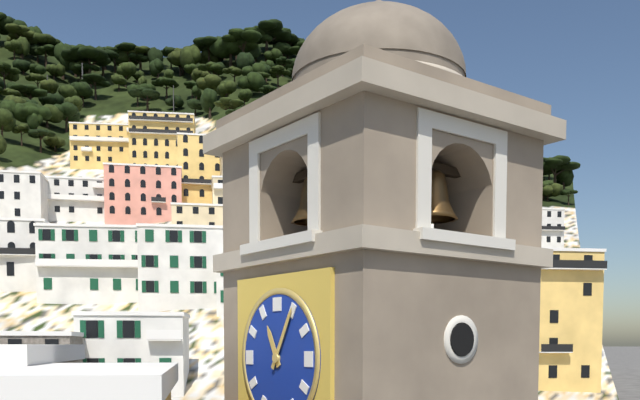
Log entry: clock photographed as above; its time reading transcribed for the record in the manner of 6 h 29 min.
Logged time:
11 h 05 min
